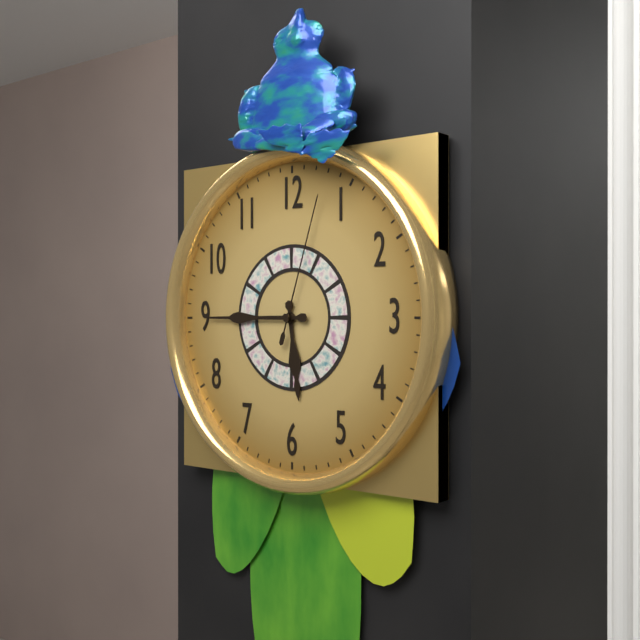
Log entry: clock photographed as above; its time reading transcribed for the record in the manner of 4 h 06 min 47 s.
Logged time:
5 h 45 min 03 s
